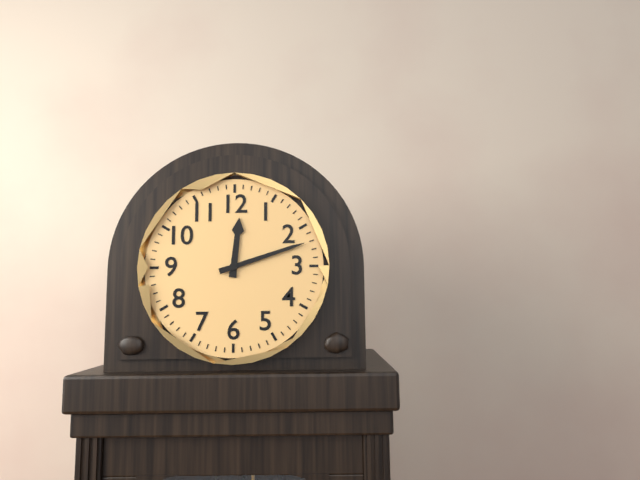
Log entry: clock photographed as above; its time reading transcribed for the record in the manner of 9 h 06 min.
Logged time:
12 h 12 min
